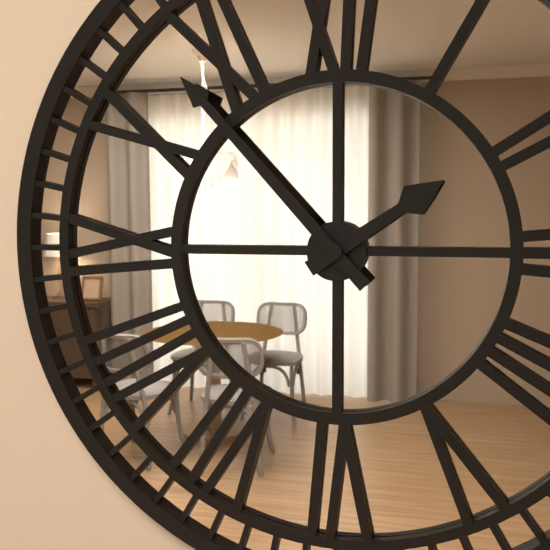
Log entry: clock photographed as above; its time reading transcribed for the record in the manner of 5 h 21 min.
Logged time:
1 h 53 min
